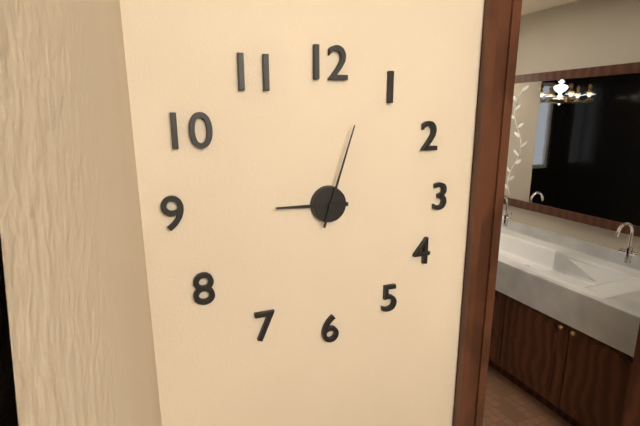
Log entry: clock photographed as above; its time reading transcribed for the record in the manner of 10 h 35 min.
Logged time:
9 h 03 min
